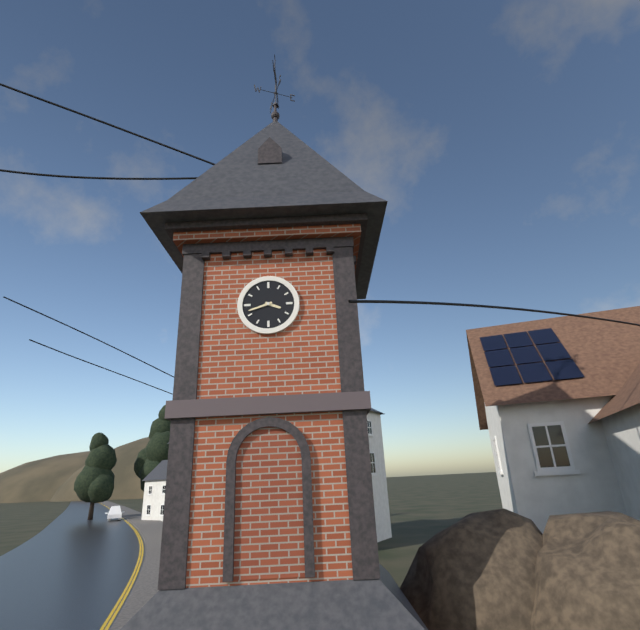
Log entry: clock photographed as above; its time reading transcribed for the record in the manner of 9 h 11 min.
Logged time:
3 h 42 min
